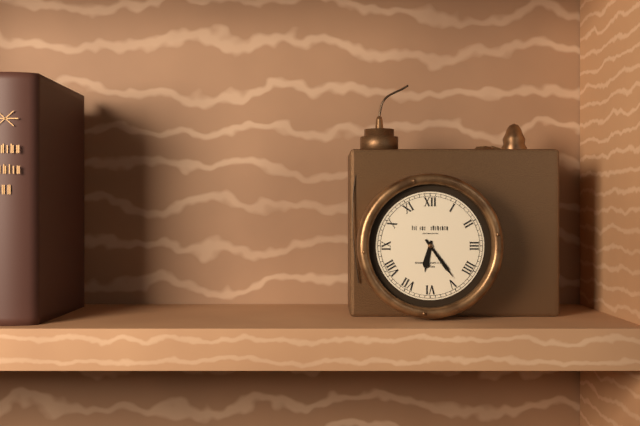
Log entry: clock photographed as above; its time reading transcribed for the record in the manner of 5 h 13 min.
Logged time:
6 h 24 min
